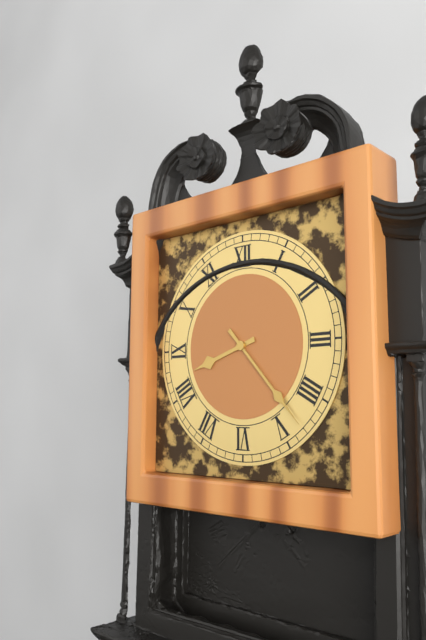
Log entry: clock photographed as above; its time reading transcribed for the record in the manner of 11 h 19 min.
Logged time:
8 h 23 min
